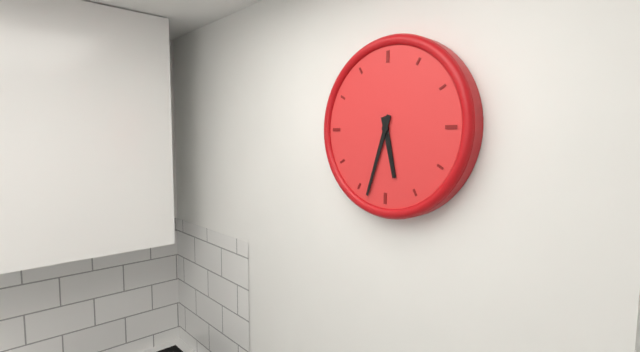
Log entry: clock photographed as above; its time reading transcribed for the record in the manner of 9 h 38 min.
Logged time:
5 h 33 min
